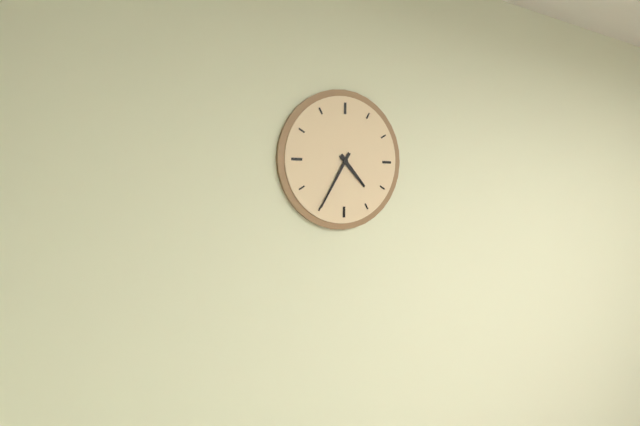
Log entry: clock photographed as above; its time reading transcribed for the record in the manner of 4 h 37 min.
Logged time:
4 h 35 min
